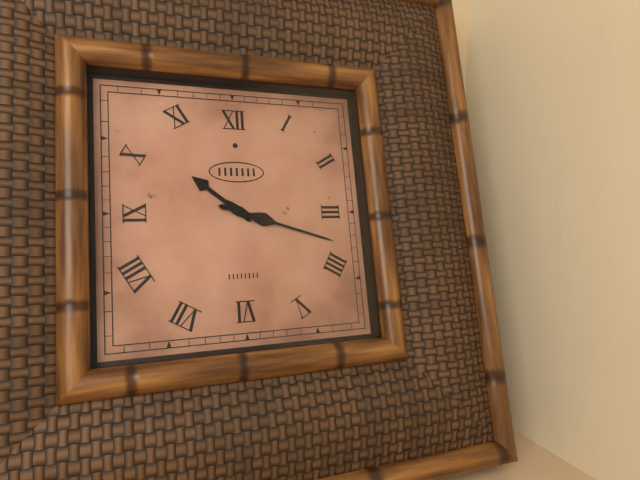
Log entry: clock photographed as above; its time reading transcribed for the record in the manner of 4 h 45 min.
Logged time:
10 h 18 min
